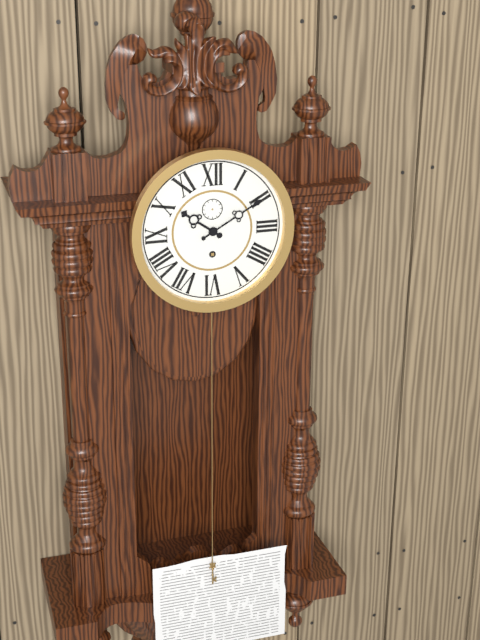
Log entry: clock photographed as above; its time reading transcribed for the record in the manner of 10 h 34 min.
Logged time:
10 h 10 min
